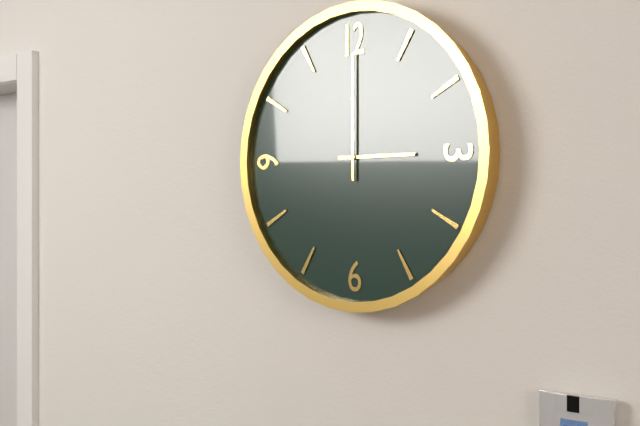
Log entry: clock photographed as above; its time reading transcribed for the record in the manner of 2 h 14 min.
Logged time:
3 h 00 min
